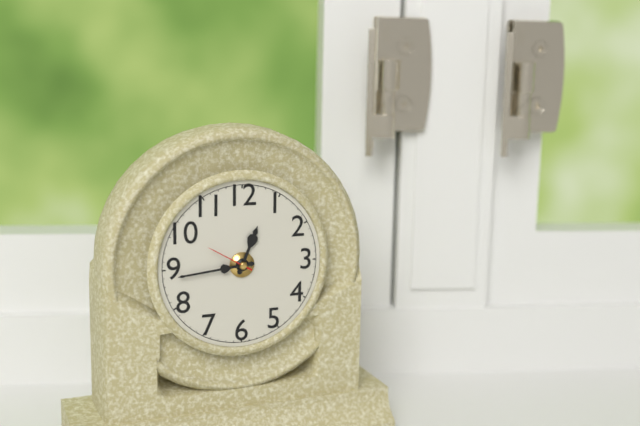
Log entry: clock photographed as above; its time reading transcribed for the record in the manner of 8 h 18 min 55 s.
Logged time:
12 h 44 min 50 s
